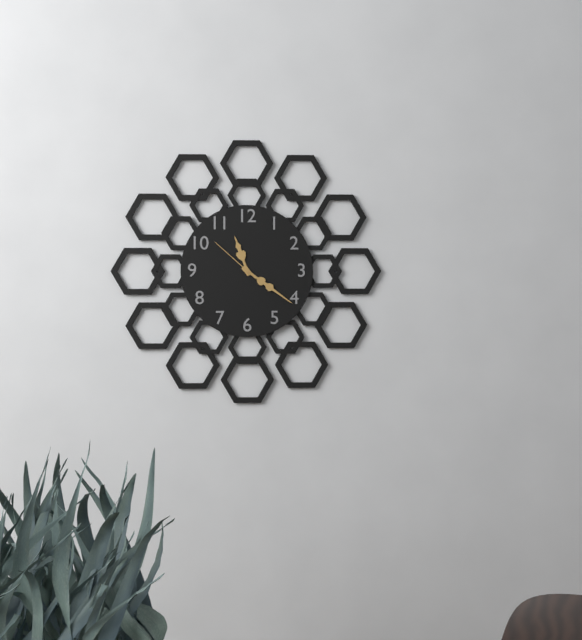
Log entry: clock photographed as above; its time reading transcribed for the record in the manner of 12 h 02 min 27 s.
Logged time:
11 h 21 min 52 s
